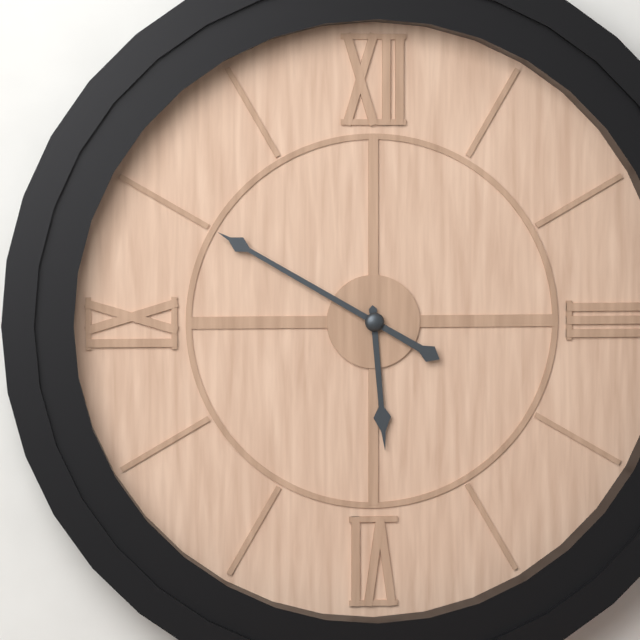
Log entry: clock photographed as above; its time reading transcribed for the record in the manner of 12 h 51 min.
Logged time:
5 h 50 min
